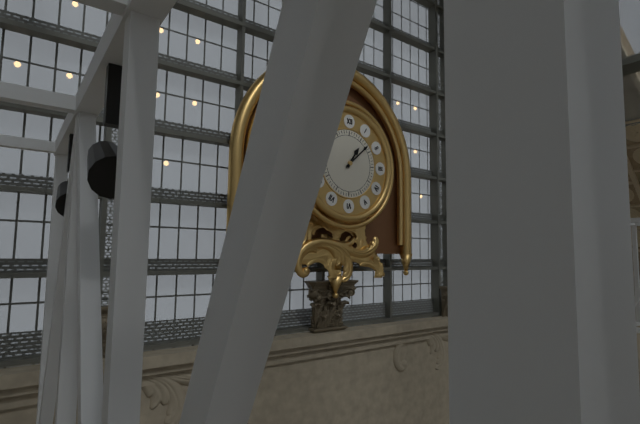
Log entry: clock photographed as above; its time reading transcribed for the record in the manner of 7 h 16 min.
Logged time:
1 h 08 min
